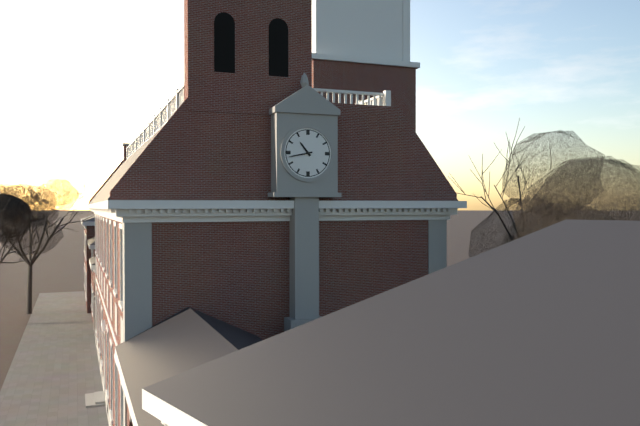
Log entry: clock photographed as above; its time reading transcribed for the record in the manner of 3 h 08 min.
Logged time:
10 h 43 min
